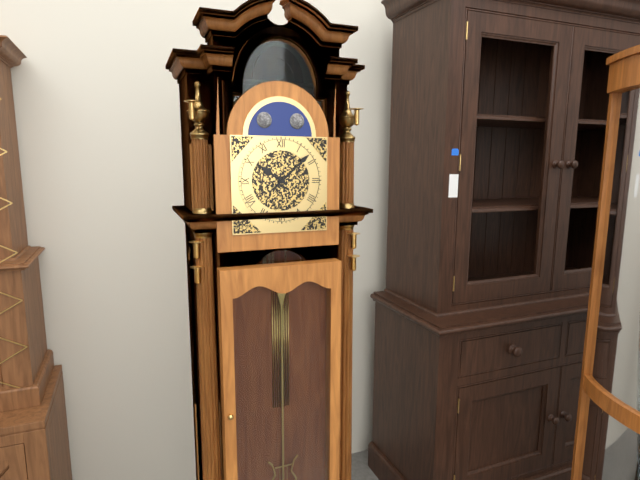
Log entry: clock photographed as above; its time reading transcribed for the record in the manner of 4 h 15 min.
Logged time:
10 h 08 min
